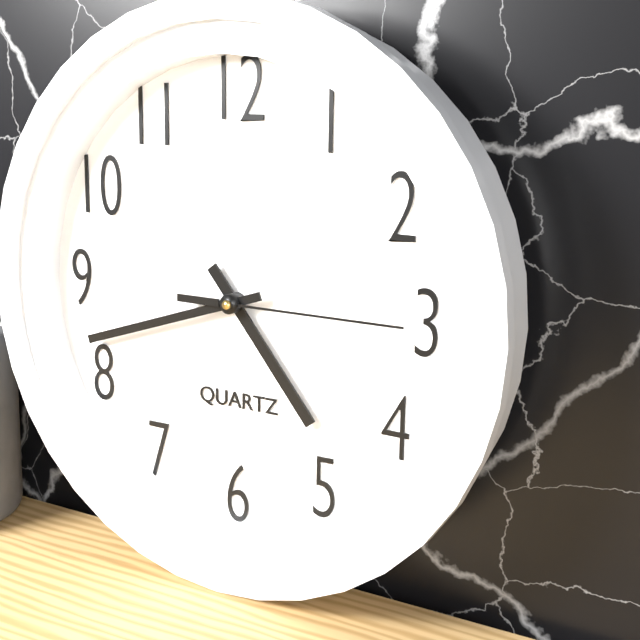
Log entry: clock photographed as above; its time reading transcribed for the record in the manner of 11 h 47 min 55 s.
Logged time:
4 h 42 min 15 s
